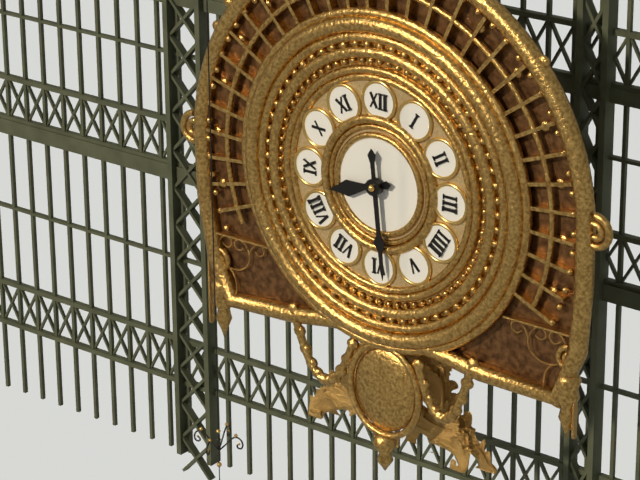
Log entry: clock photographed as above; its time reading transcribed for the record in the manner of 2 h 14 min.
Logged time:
8 h 29 min
